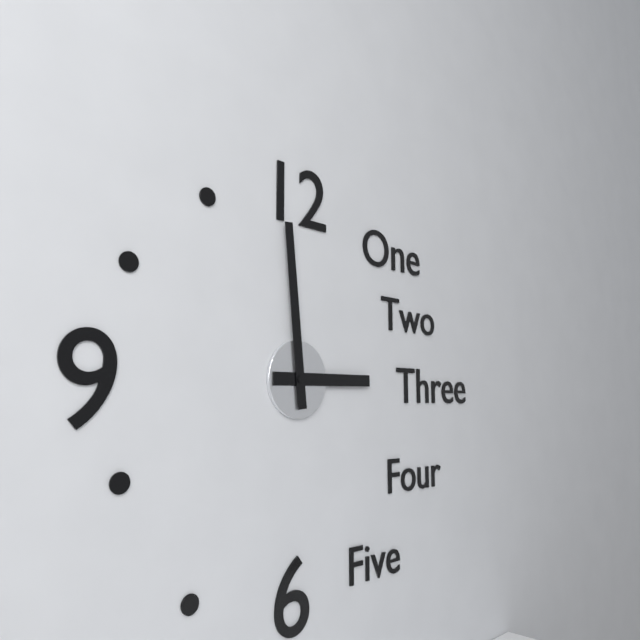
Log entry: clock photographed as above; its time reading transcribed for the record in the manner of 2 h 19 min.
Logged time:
2 h 59 min
